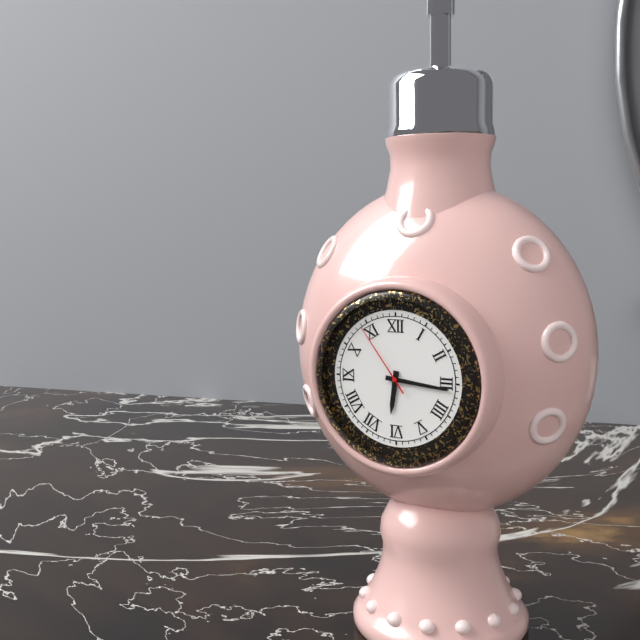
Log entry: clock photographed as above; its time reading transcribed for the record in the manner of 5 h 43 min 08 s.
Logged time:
6 h 16 min 54 s
